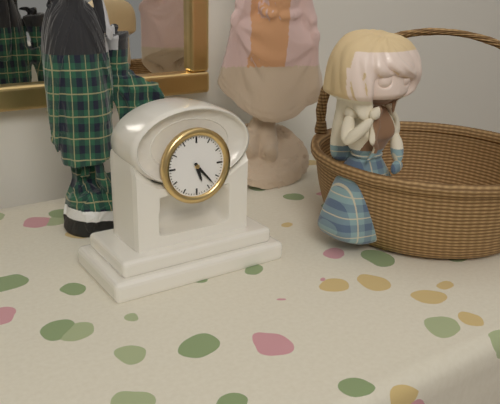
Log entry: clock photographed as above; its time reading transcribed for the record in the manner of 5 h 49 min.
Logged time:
5 h 23 min
